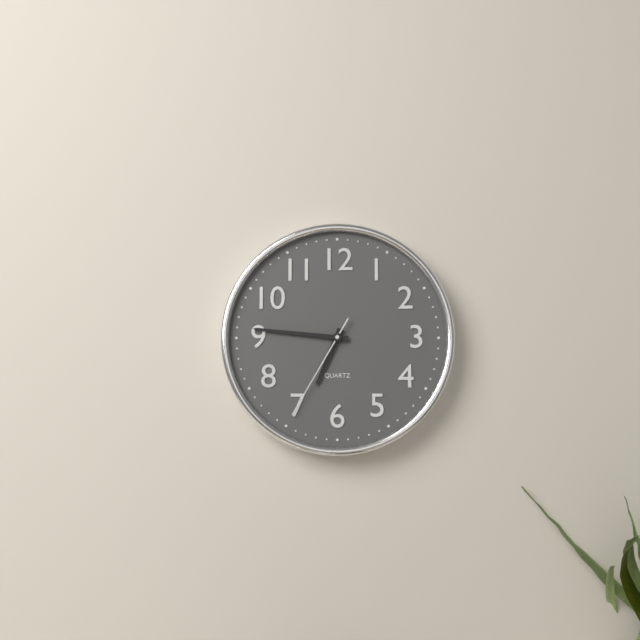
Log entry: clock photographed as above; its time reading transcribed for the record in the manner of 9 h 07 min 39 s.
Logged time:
6 h 46 min 35 s
